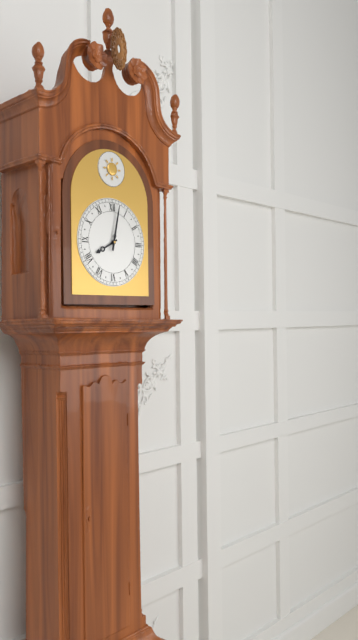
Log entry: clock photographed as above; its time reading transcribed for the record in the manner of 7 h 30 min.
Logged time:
8 h 02 min
